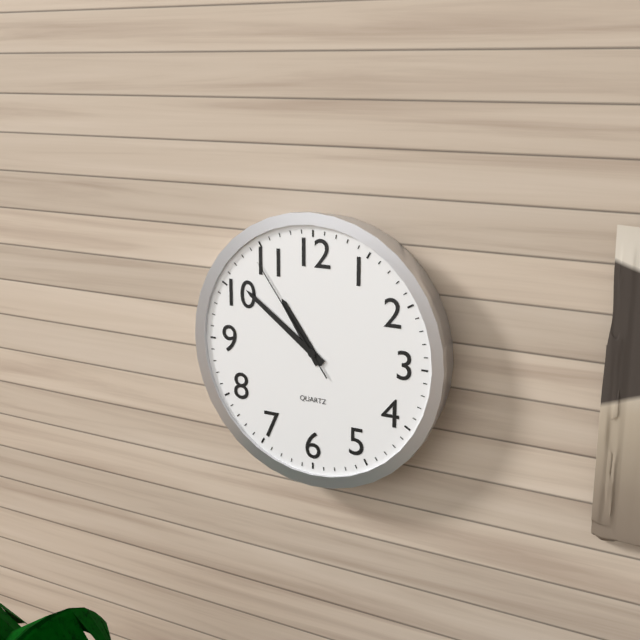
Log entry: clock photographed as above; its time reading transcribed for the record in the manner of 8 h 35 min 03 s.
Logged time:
10 h 51 min 54 s
